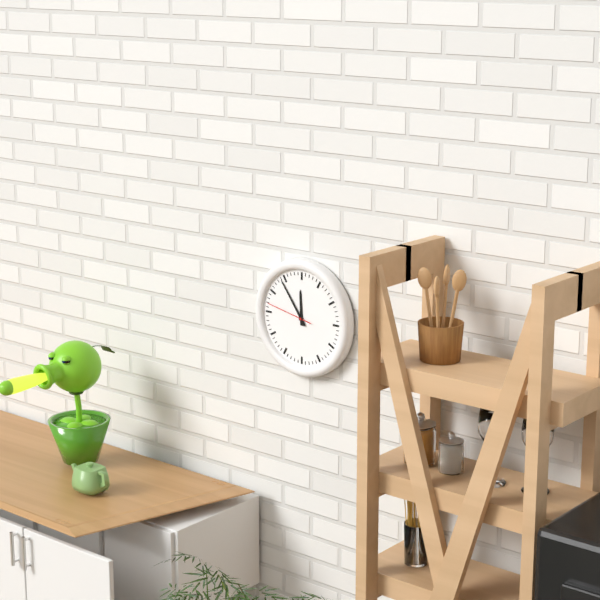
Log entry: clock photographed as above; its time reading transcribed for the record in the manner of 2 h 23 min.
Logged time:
11 h 54 min
